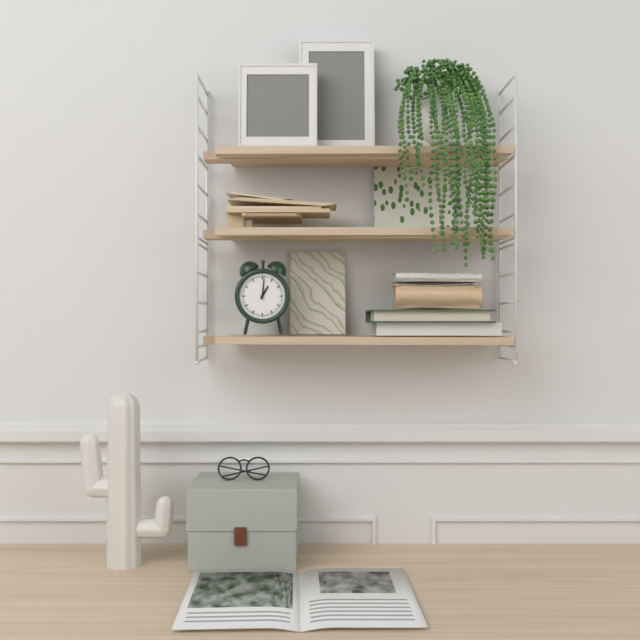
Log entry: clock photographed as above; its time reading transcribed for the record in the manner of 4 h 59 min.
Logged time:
1 h 01 min
